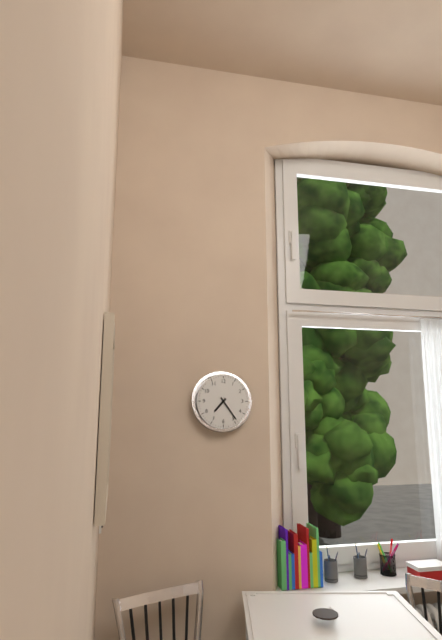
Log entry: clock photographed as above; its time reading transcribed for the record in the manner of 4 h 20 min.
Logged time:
7 h 24 min
